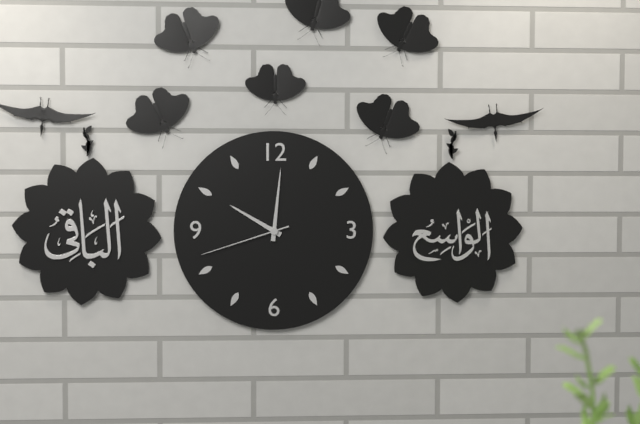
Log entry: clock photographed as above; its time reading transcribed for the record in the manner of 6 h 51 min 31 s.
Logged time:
10 h 01 min 42 s
